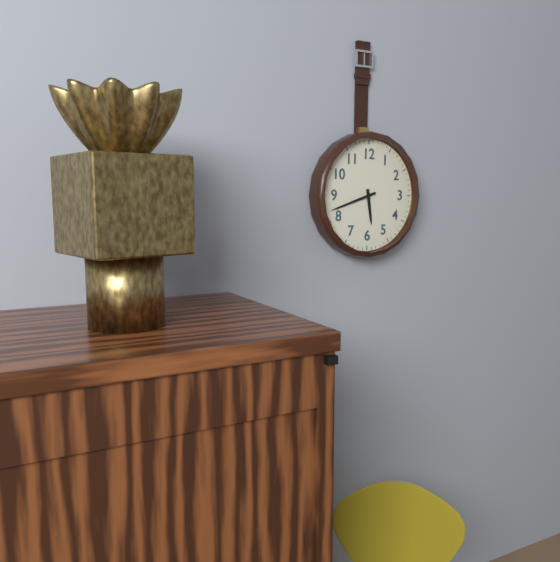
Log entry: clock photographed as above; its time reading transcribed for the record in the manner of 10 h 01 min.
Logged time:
5 h 42 min
